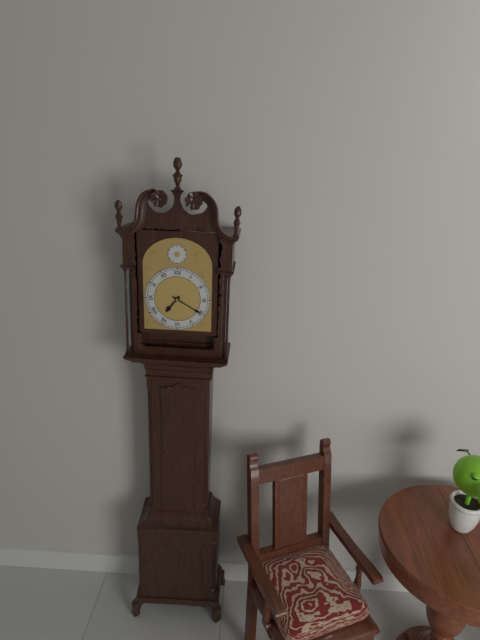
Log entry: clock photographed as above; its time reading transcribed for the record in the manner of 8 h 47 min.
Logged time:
7 h 20 min
